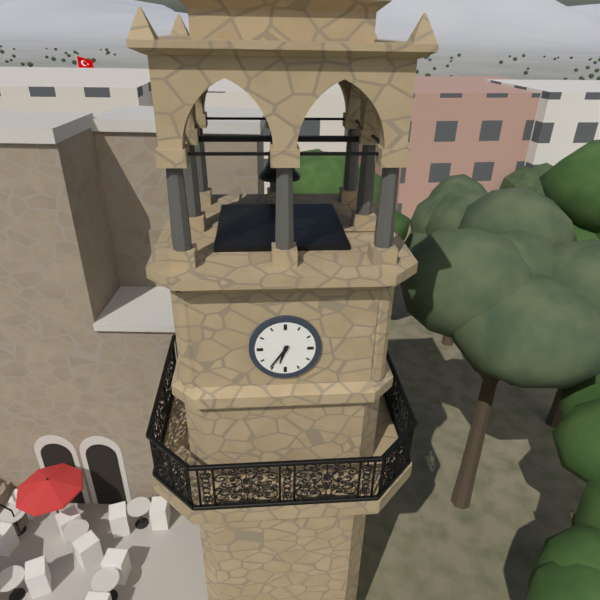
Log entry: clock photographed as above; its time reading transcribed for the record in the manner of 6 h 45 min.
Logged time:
6 h 36 min
